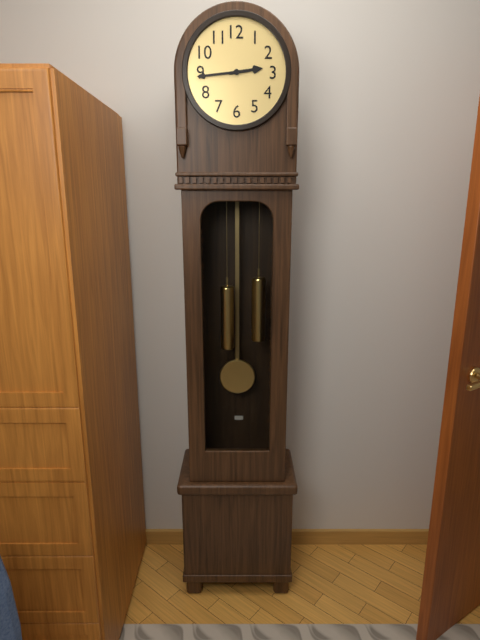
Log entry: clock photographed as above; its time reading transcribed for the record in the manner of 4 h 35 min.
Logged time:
2 h 44 min
